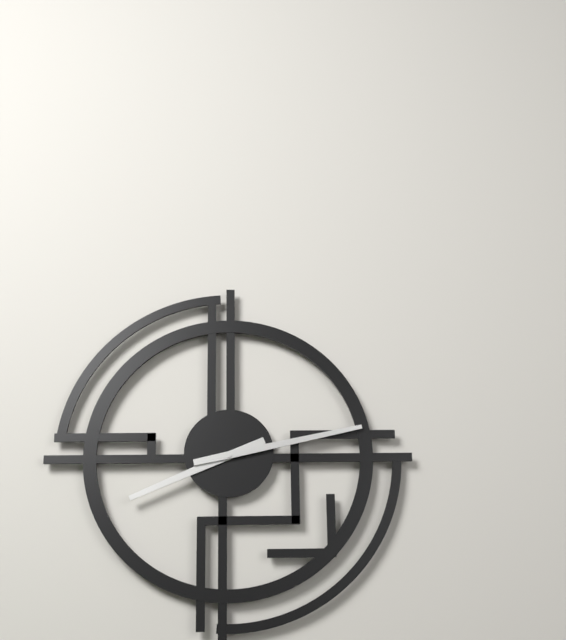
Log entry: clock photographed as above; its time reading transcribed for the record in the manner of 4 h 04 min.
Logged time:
8 h 13 min
